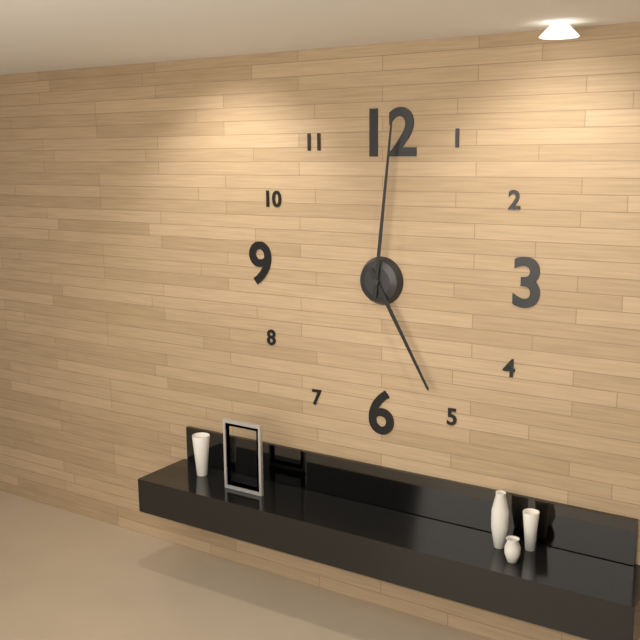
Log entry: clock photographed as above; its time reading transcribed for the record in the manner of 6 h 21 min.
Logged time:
5 h 01 min
